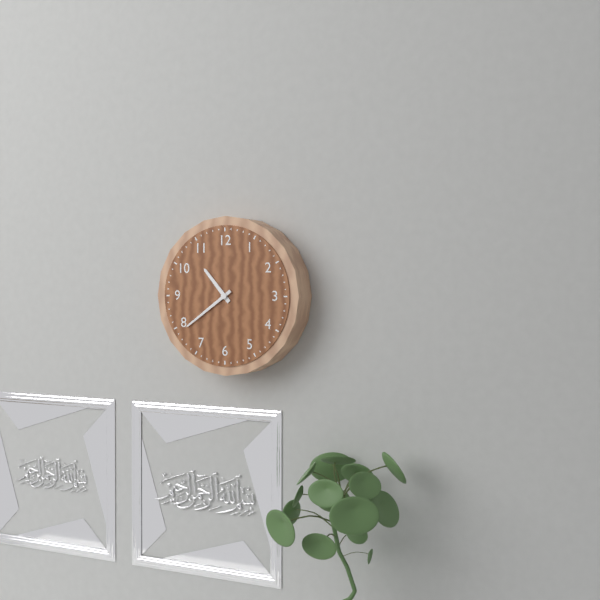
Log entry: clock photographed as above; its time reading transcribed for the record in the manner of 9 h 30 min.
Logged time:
10 h 39 min
